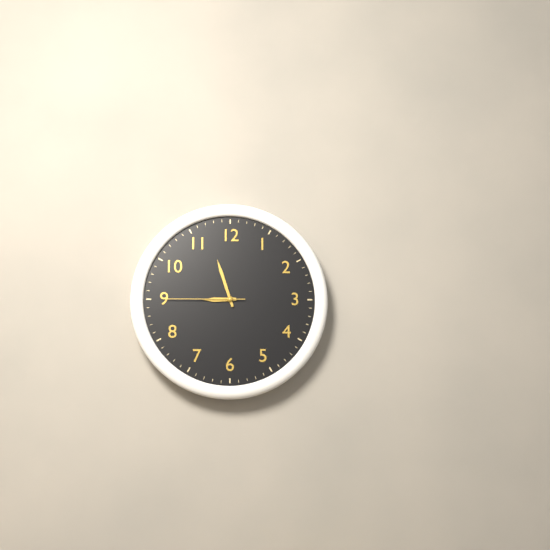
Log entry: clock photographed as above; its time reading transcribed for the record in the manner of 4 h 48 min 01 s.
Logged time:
8 h 57 min 45 s
